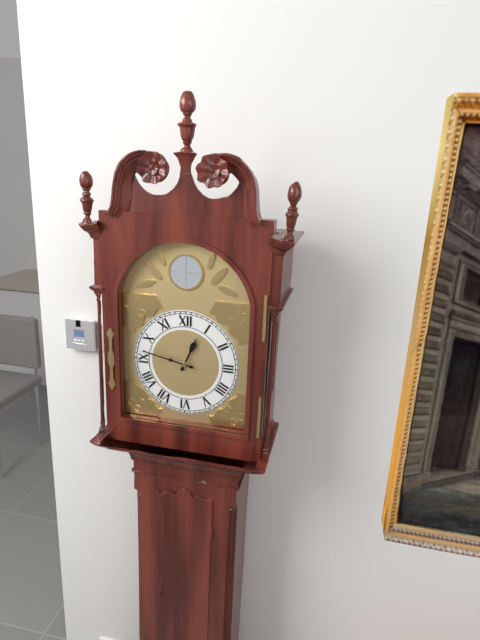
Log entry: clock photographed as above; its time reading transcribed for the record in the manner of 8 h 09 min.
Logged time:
12 h 47 min
